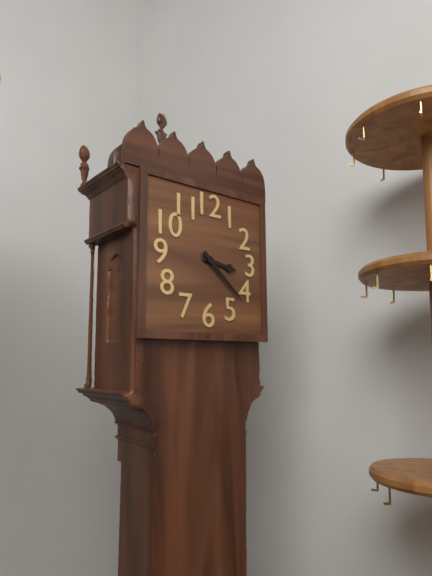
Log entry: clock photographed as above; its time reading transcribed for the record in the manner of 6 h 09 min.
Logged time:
3 h 22 min
